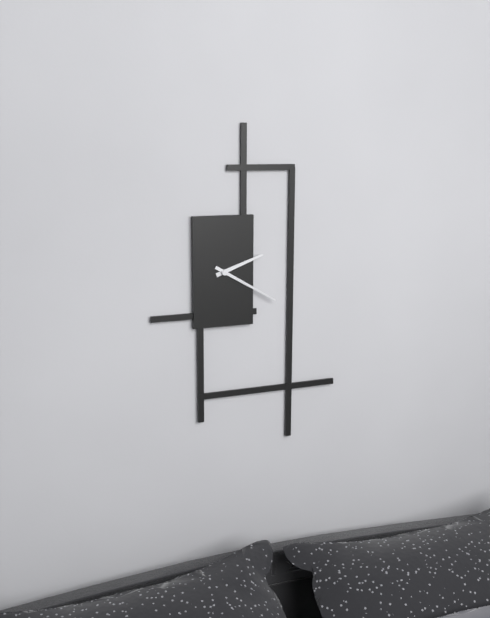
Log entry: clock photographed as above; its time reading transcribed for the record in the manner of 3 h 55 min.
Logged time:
2 h 20 min
